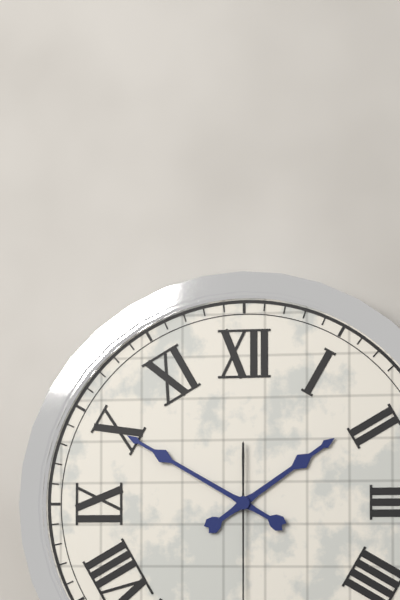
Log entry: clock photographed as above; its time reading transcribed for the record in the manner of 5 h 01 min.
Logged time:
1 h 50 min
